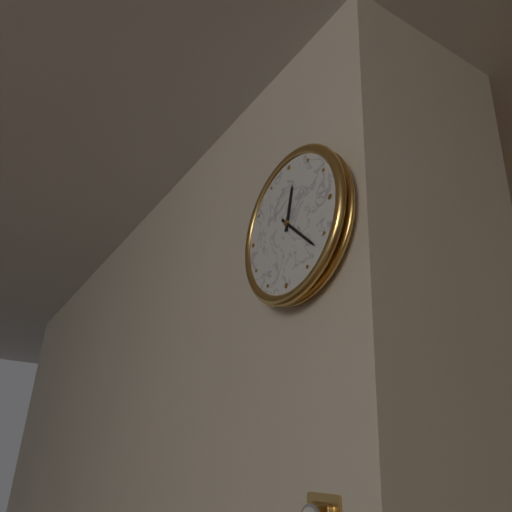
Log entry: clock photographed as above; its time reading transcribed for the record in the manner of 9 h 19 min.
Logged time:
12 h 22 min
